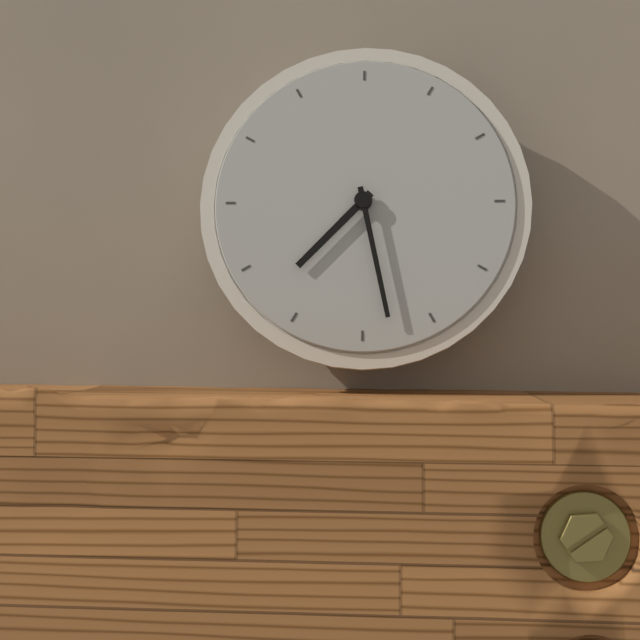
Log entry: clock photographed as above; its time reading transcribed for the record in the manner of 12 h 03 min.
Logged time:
7 h 28 min
